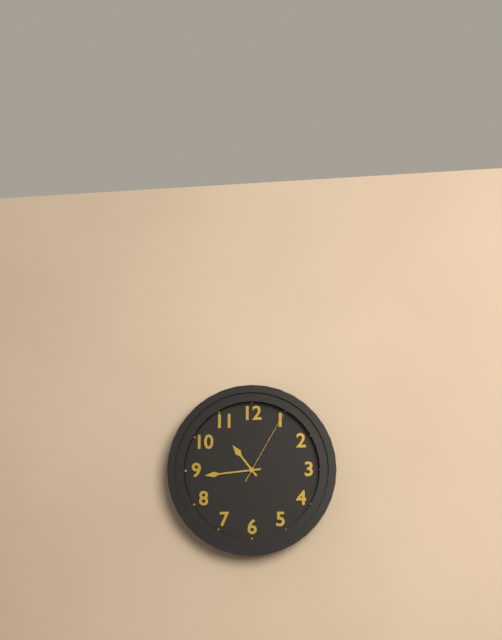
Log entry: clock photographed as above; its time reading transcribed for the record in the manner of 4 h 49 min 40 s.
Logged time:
10 h 44 min 05 s
